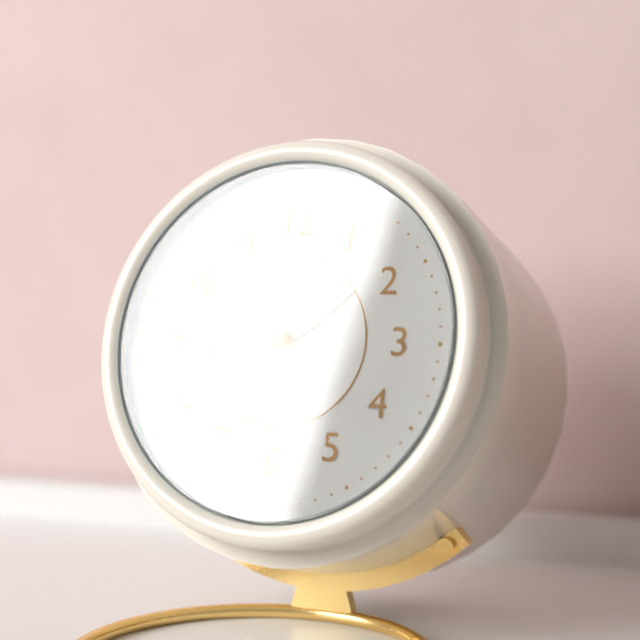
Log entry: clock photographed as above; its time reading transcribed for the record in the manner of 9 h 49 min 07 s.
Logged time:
1 h 47 min 31 s
